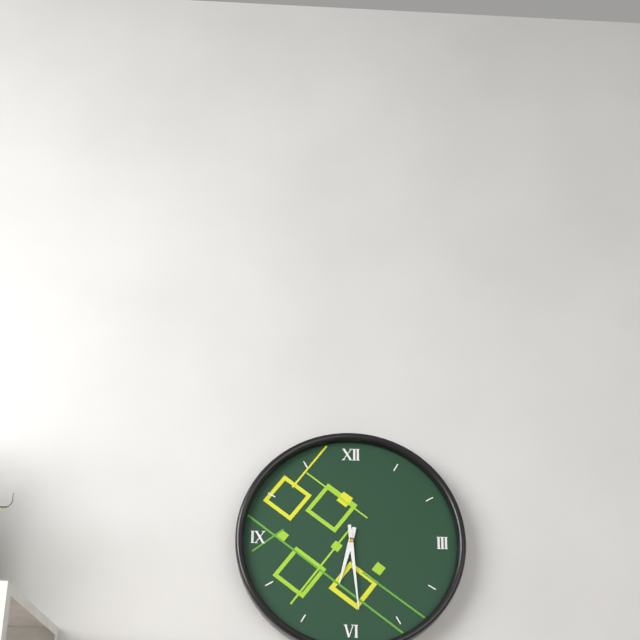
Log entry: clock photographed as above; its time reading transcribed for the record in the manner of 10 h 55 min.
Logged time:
6 h 29 min
